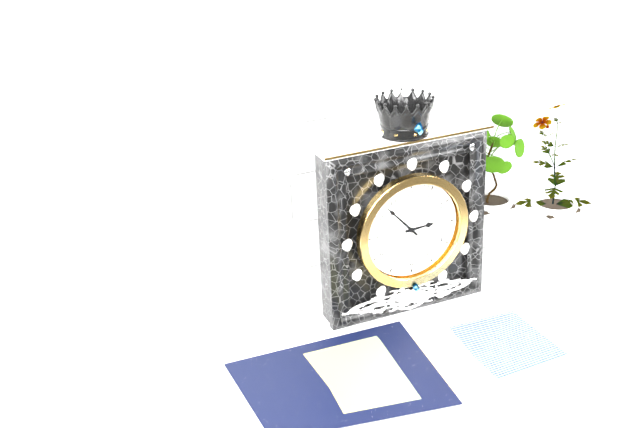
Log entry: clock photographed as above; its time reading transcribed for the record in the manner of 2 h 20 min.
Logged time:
2 h 53 min
